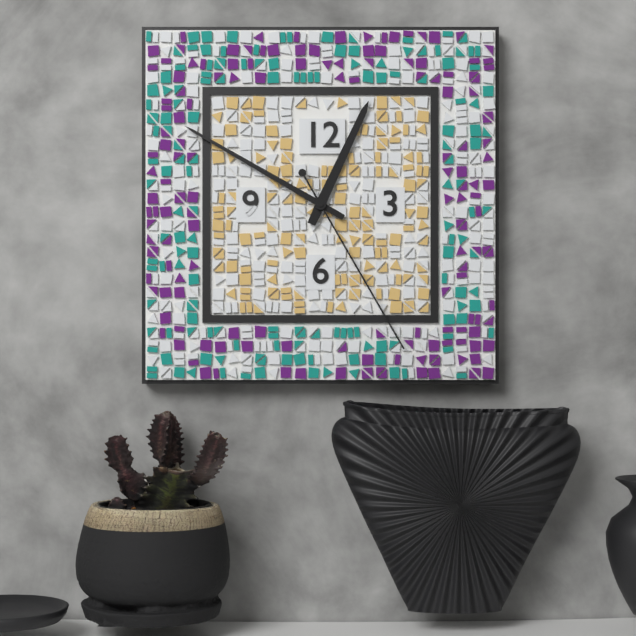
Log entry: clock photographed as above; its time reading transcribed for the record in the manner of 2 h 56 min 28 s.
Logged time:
12 h 50 min 25 s
